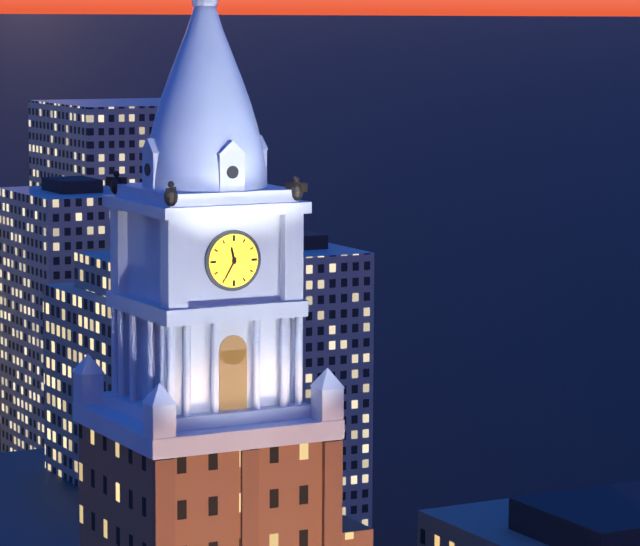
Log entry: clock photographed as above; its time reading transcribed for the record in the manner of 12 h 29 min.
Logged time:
11 h 35 min
